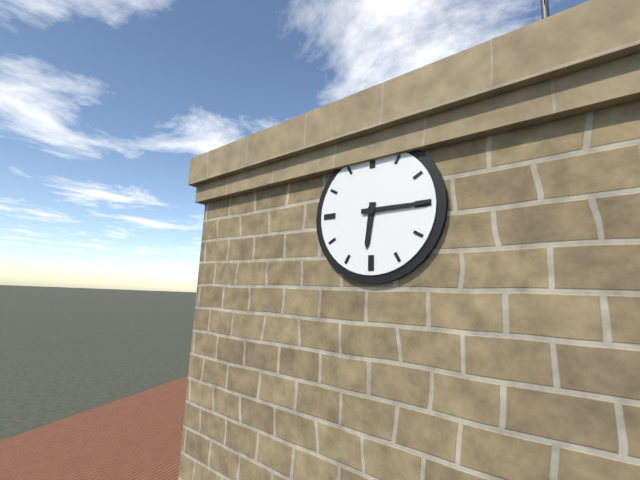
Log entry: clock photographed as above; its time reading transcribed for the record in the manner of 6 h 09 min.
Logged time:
6 h 15 min
